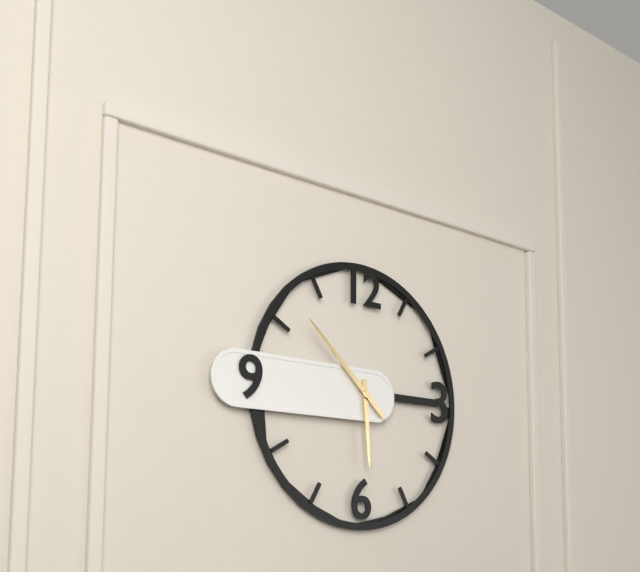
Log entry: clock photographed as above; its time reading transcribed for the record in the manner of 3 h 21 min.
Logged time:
5 h 52 min
